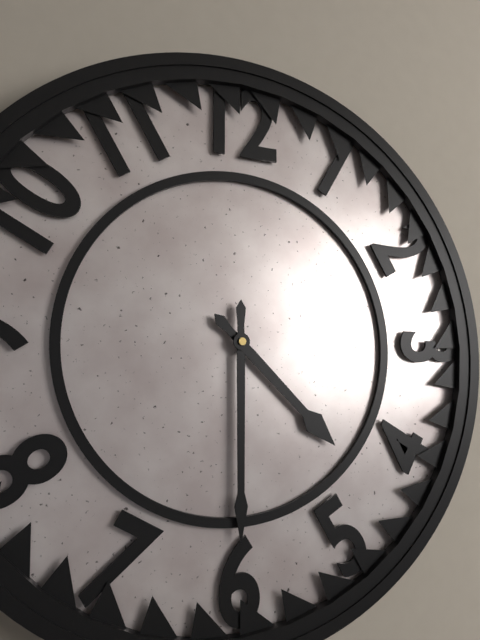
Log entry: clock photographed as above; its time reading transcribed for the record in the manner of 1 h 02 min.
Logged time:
4 h 30 min
